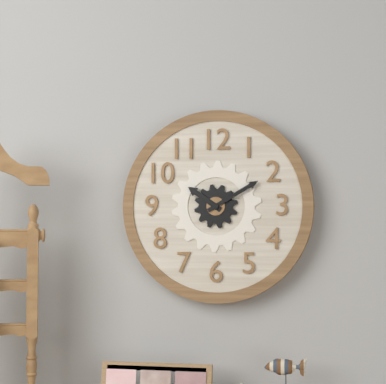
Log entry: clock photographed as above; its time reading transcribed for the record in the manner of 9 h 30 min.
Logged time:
10 h 10 min
